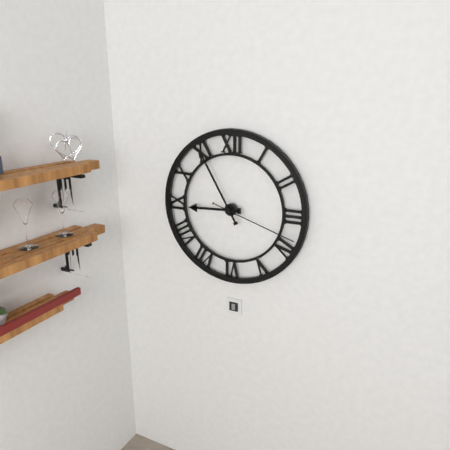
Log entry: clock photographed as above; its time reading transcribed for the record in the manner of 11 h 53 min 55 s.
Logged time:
8 h 55 min 18 s
